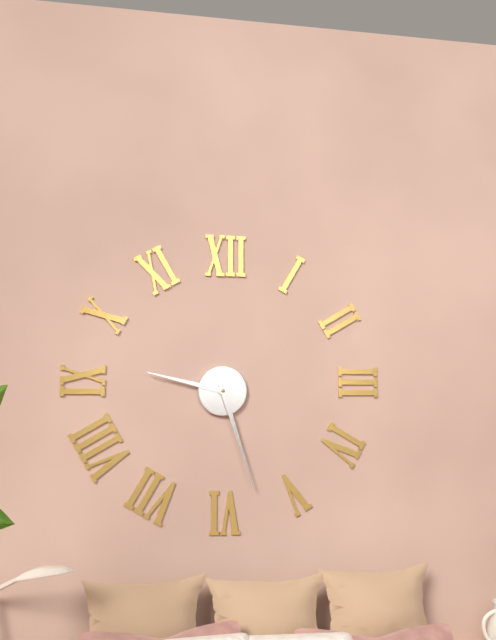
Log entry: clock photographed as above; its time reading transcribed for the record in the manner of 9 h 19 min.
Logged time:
9 h 27 min
